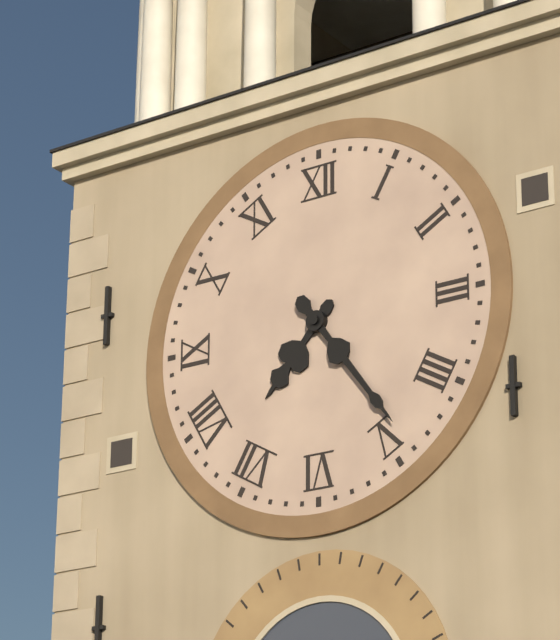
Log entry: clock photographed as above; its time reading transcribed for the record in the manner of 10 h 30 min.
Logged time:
7 h 24 min
